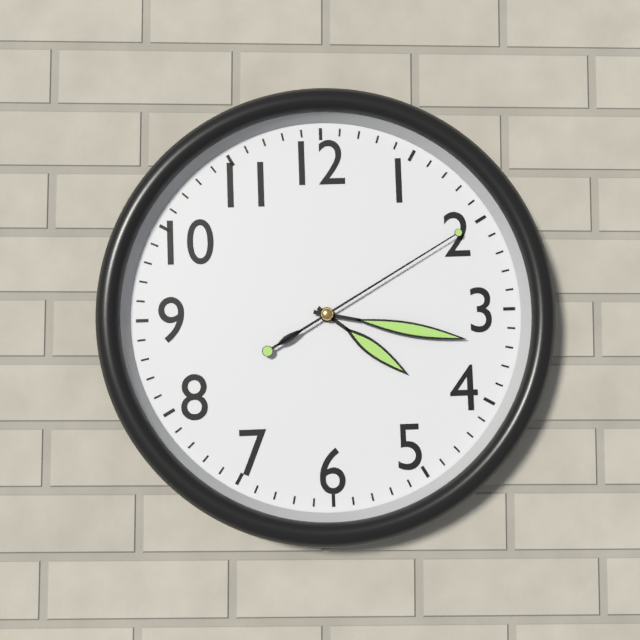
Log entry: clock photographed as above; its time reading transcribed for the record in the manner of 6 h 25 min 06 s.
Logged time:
4 h 17 min 10 s
